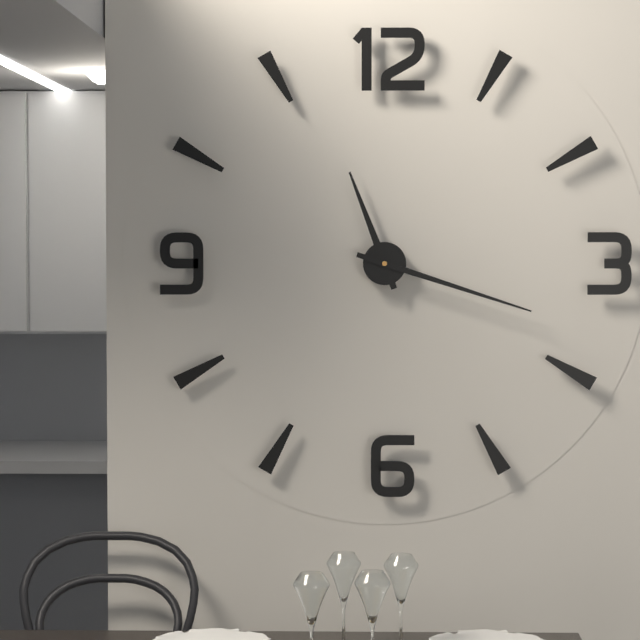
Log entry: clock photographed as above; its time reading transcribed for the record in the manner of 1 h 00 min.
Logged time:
11 h 18 min
